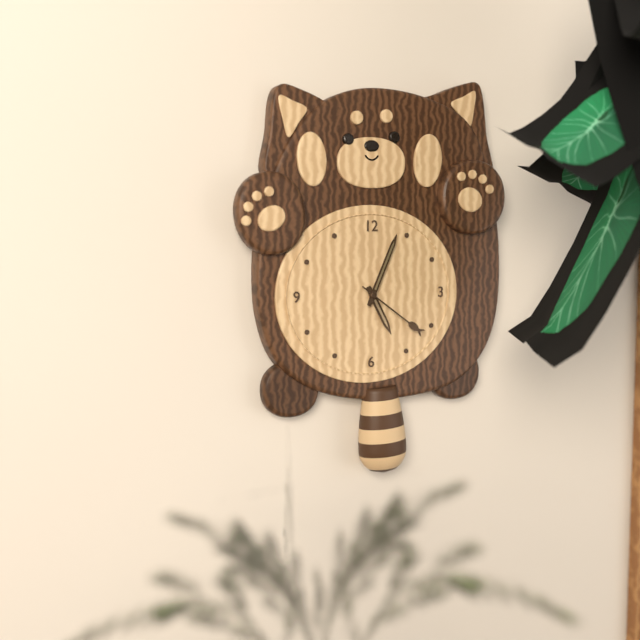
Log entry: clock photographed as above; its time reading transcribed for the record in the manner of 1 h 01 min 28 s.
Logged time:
5 h 04 min 21 s
